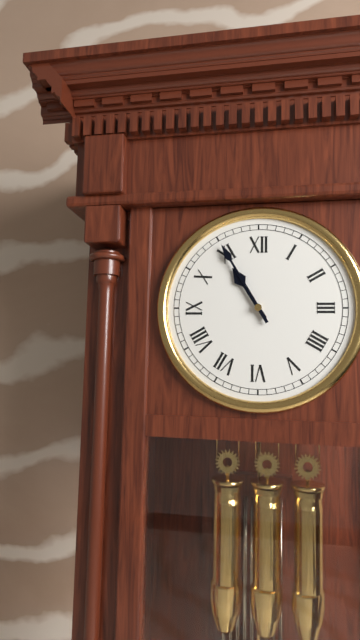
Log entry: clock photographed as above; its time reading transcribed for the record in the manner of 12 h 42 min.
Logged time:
10 h 55 min
